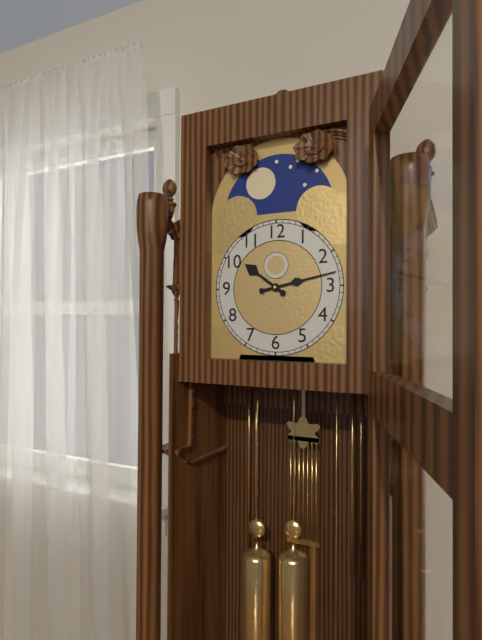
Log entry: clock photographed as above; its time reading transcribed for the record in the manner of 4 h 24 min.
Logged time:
10 h 13 min
